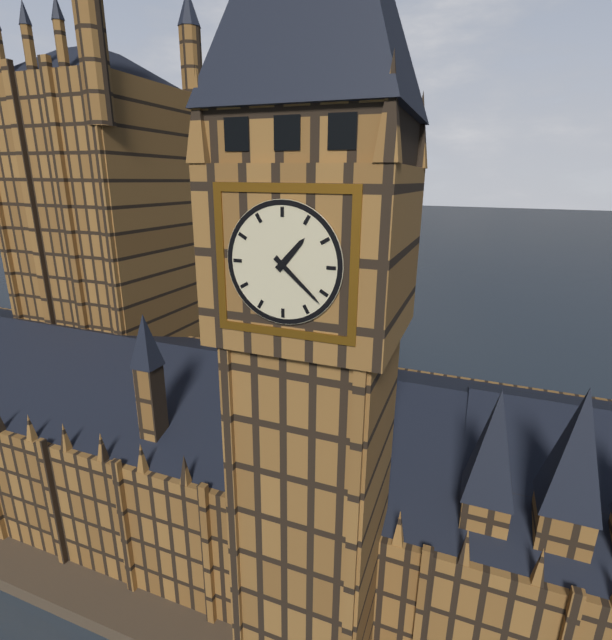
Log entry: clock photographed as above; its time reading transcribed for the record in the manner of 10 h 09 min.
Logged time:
1 h 22 min
